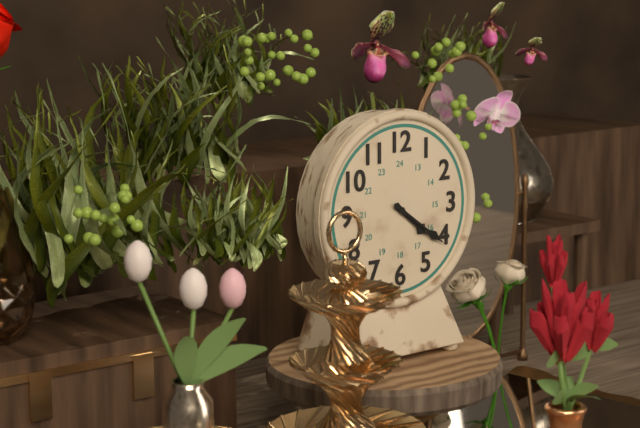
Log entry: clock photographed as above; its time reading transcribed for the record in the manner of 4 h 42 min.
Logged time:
4 h 21 min
